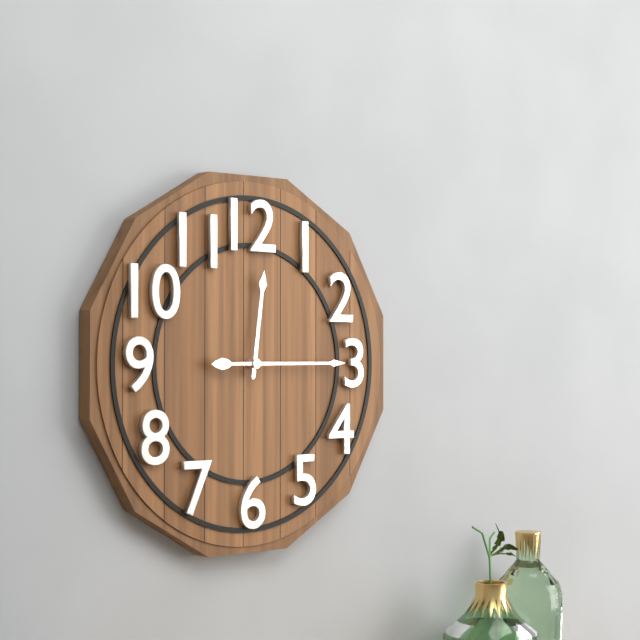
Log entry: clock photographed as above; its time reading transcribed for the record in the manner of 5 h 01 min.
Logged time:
12 h 15 min
